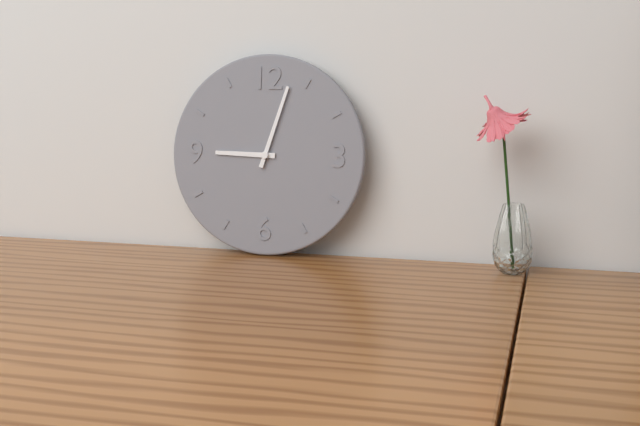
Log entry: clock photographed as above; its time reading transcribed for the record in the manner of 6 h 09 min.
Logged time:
9 h 03 min
